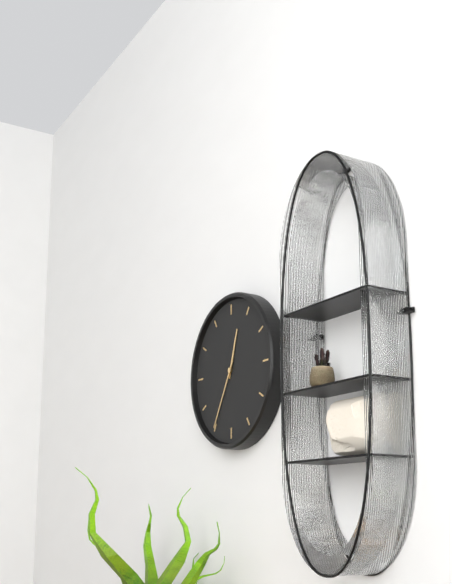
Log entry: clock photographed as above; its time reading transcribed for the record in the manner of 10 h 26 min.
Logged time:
12 h 35 min
